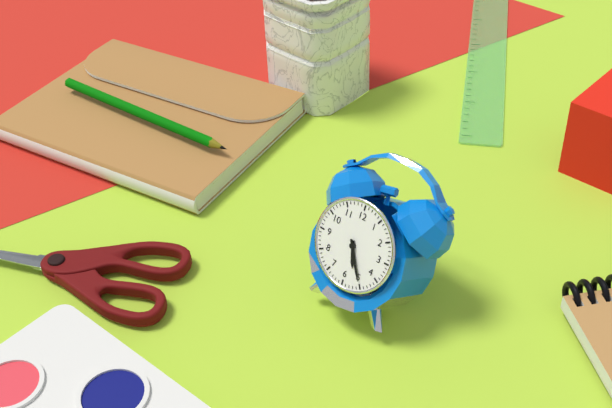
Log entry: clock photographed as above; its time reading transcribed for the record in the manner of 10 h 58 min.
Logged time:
5 h 25 min
